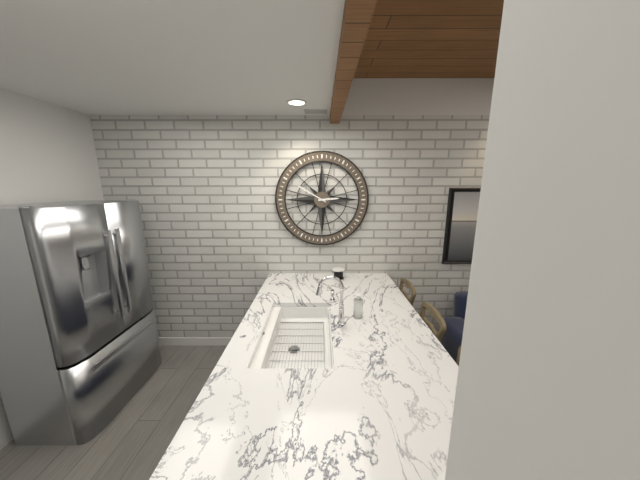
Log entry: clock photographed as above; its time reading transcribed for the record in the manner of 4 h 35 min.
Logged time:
2 h 50 min
